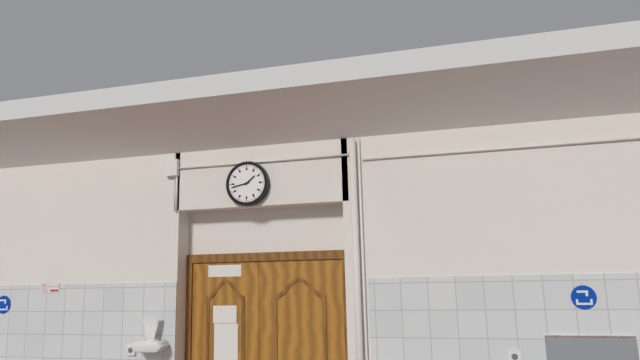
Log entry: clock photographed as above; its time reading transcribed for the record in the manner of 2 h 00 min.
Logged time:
1 h 43 min
